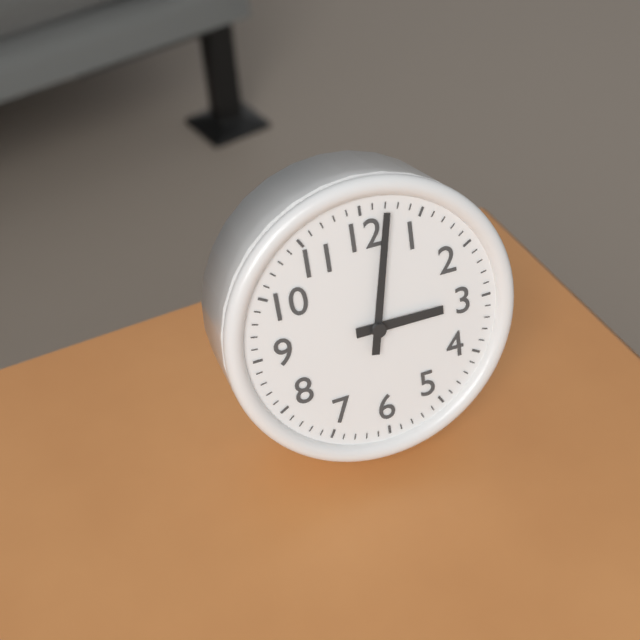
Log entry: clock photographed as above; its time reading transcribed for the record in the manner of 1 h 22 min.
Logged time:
3 h 02 min
